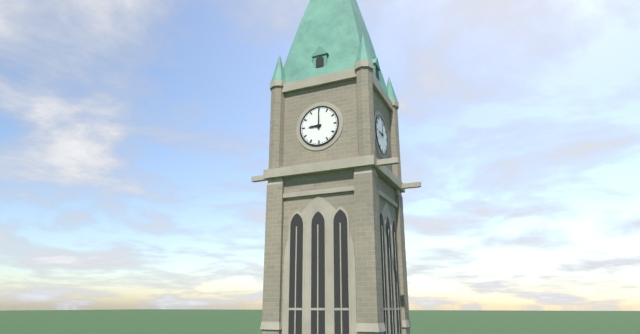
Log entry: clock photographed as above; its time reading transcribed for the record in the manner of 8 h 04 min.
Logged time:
9 h 00 min
